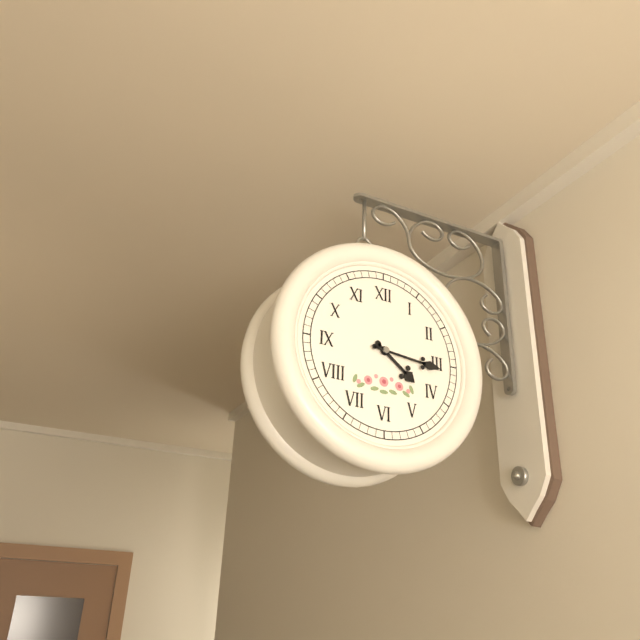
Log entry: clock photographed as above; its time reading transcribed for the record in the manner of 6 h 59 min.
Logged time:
4 h 16 min
